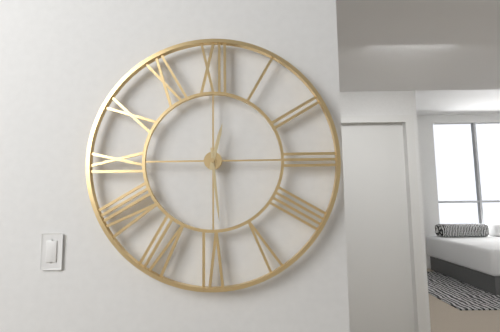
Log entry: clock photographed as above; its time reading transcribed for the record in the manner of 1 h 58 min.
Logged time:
12 h 29 min
